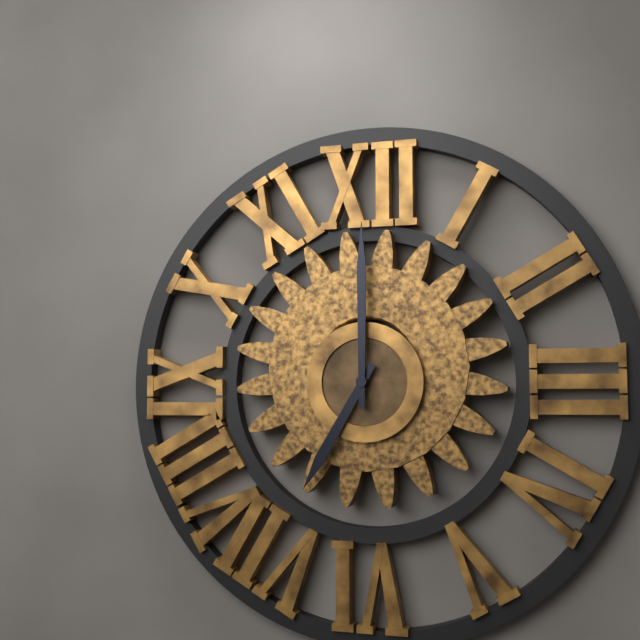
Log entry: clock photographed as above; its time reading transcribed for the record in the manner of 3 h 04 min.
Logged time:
7 h 00 min
